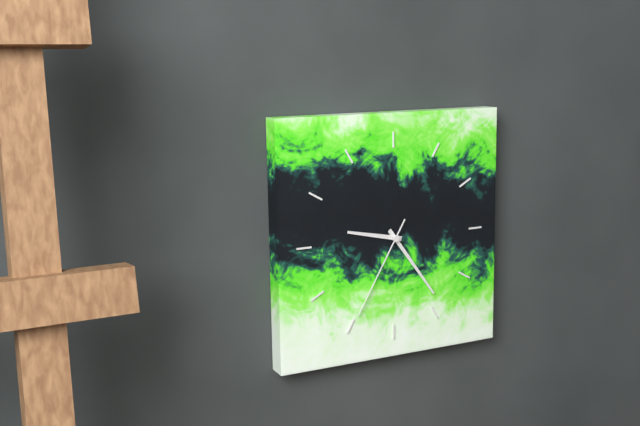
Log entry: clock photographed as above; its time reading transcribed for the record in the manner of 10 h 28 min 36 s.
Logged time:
9 h 24 min 35 s
